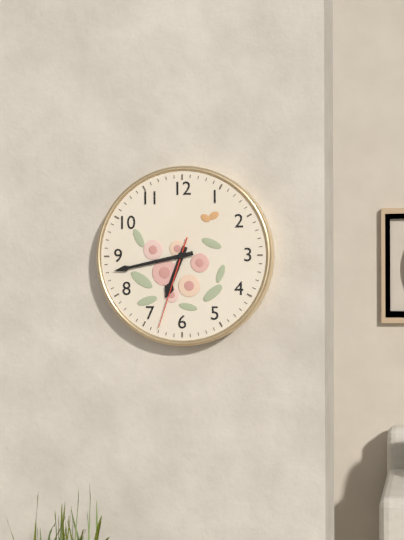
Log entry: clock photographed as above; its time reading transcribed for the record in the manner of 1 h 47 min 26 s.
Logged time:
6 h 43 min 33 s
